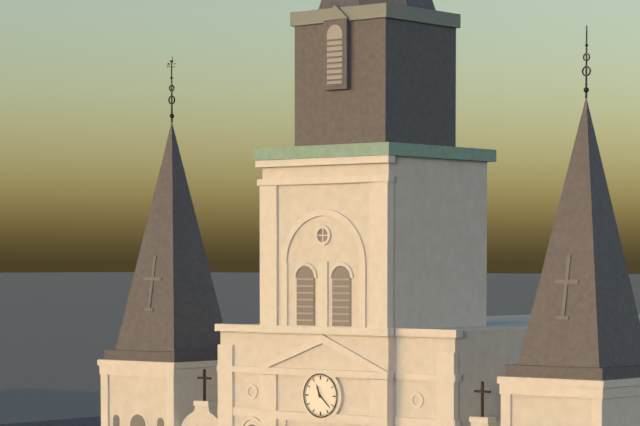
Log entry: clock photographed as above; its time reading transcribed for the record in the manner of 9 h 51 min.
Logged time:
11 h 22 min
